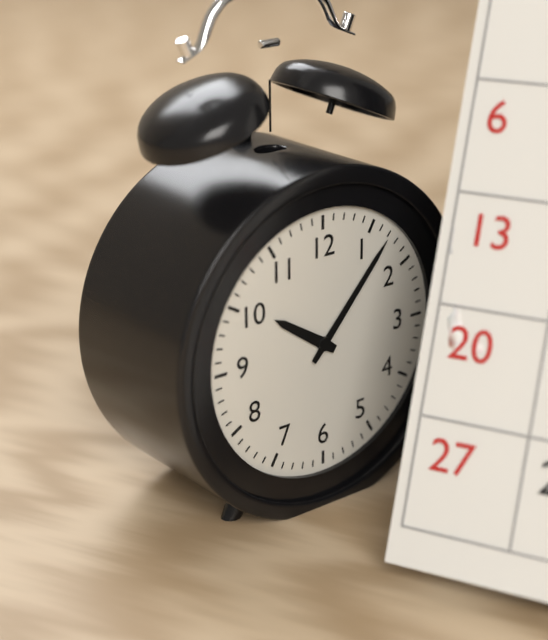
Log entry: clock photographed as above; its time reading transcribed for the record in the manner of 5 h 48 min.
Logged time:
10 h 07 min
